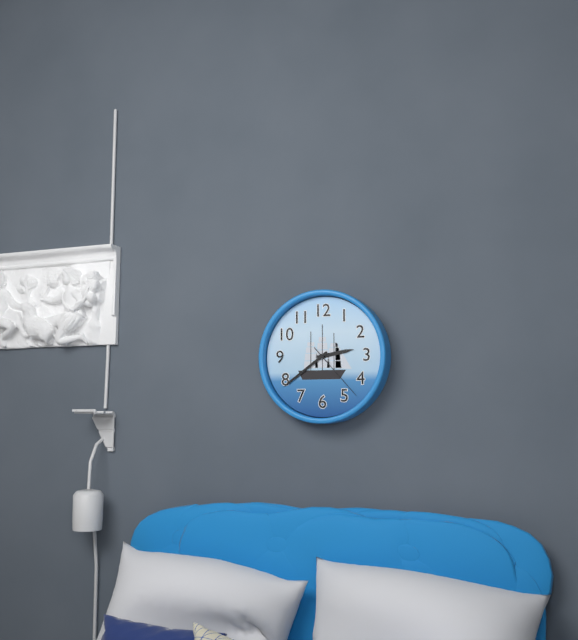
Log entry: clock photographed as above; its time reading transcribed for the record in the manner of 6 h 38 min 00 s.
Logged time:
2 h 39 min 23 s
